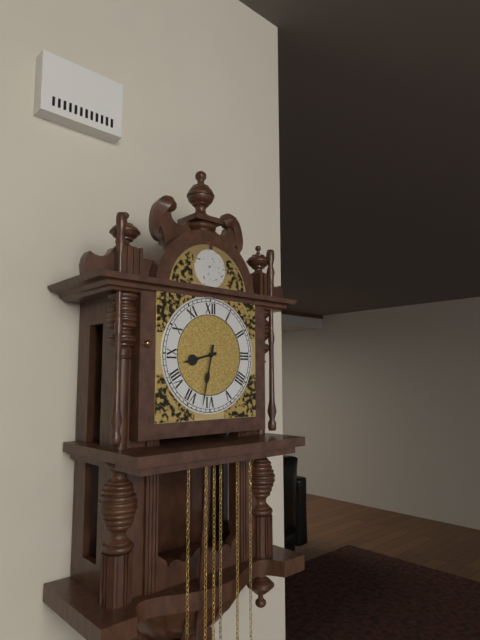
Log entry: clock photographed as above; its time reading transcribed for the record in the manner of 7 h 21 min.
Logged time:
8 h 32 min
